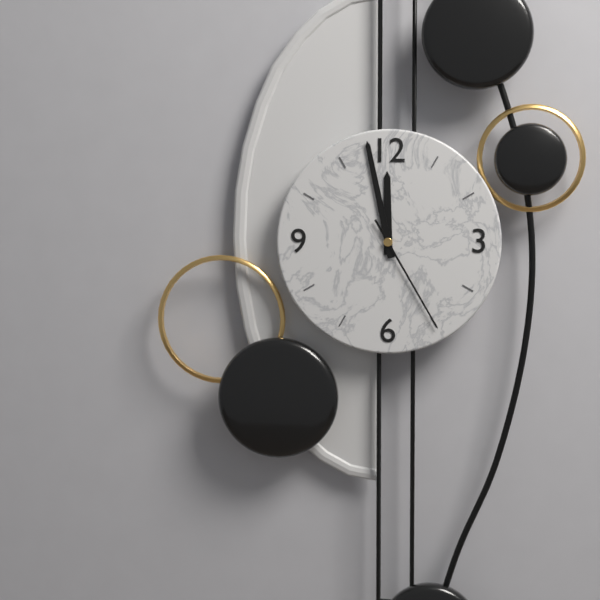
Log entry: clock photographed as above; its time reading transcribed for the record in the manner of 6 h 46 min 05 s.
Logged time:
11 h 58 min 25 s
